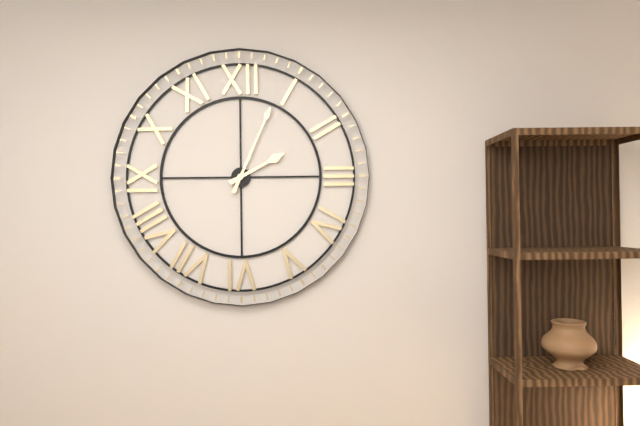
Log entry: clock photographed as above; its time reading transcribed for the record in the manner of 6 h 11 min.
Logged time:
2 h 04 min
